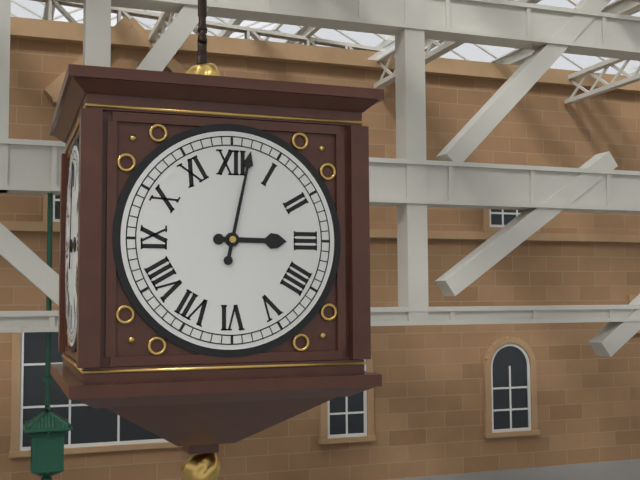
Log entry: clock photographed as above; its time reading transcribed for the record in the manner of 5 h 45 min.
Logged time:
3 h 02 min
